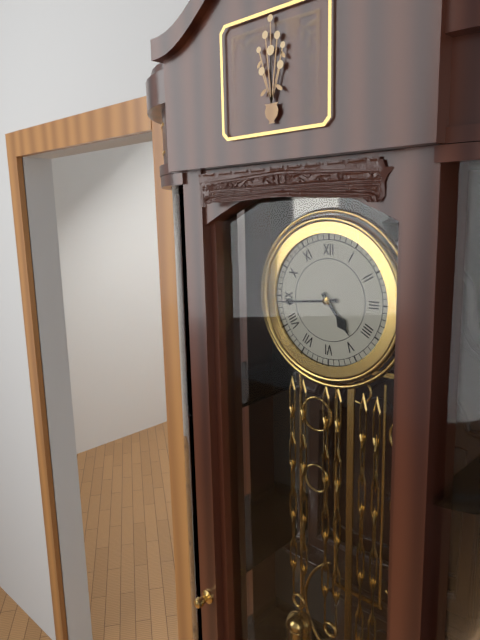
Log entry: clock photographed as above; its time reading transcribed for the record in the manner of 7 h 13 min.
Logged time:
4 h 44 min
